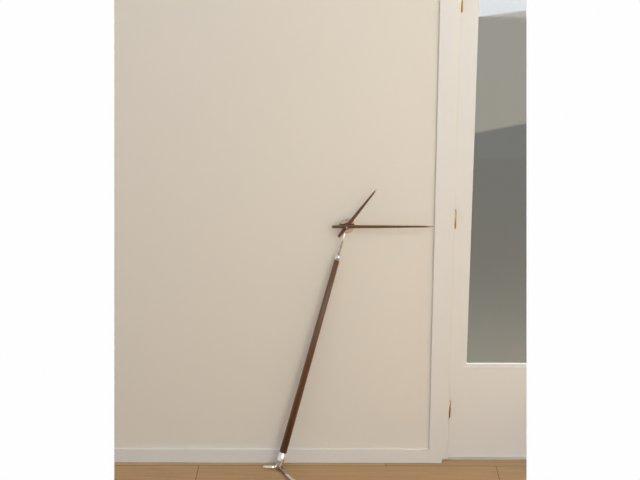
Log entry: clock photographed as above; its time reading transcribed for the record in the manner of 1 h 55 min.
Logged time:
1 h 15 min
